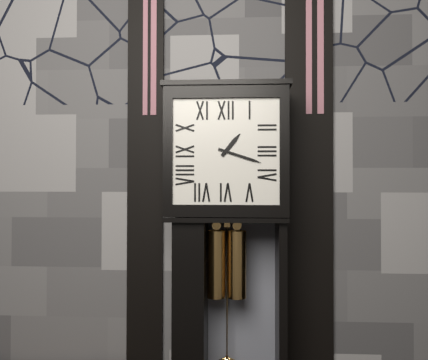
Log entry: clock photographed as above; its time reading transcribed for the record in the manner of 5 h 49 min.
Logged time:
1 h 18 min
